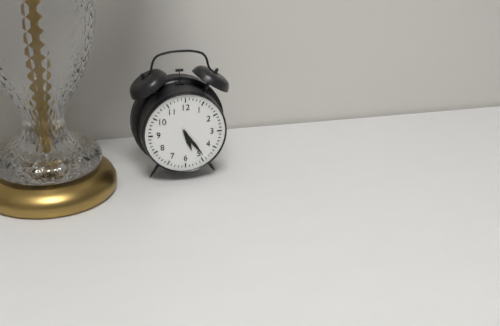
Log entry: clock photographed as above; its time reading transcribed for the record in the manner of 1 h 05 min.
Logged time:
5 h 24 min
